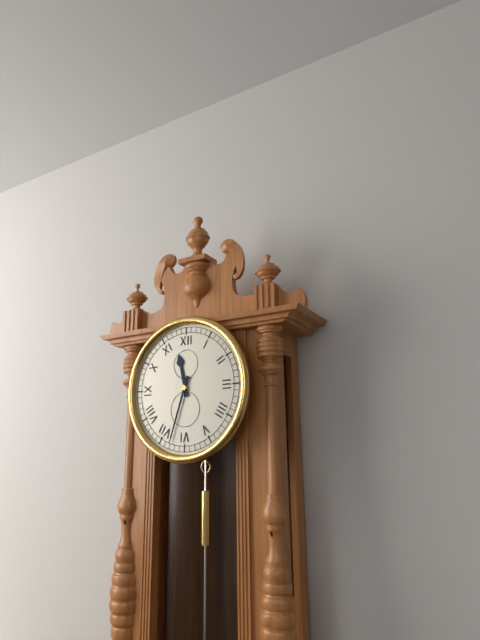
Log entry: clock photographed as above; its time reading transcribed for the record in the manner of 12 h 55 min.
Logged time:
11 h 33 min
